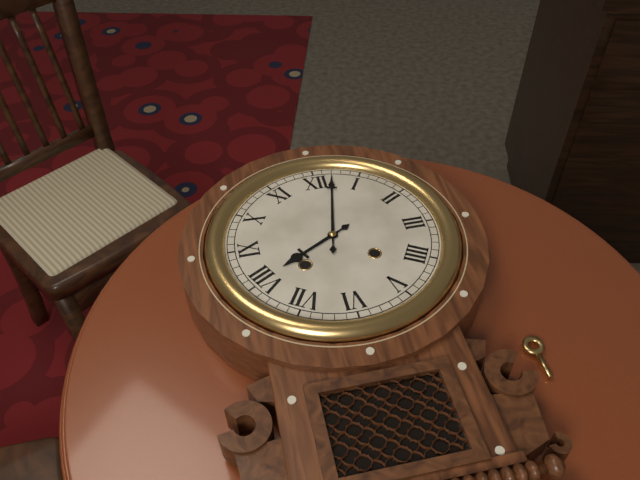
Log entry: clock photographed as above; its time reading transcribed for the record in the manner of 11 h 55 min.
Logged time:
8 h 02 min
